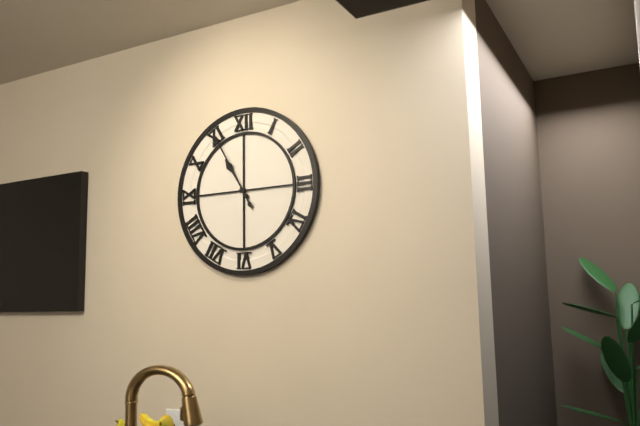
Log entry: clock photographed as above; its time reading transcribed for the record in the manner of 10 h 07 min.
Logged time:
10 h 55 min
